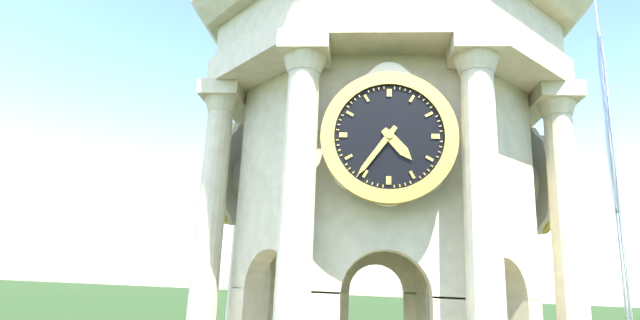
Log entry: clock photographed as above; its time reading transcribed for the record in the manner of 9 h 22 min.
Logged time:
4 h 36 min
